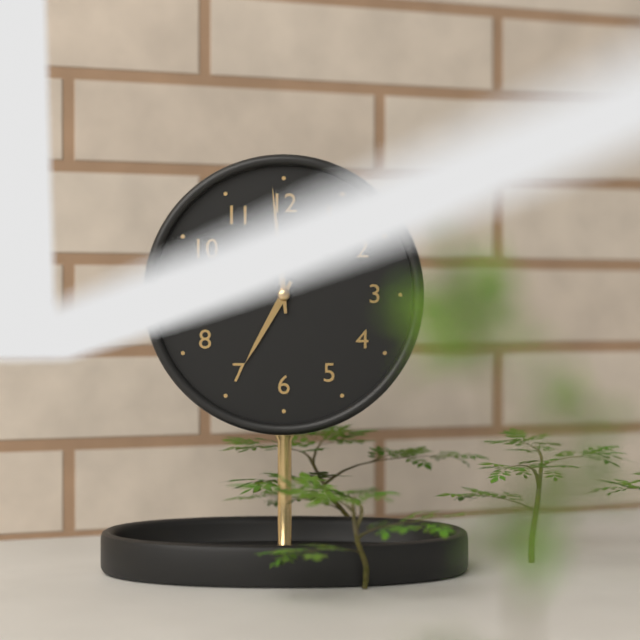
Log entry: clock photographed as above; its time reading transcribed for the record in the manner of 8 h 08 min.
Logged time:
6 h 59 min
